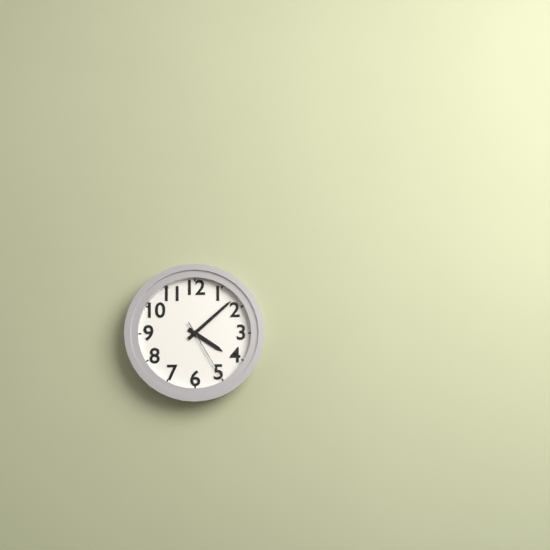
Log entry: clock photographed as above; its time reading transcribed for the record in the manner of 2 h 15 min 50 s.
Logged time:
4 h 08 min 25 s
